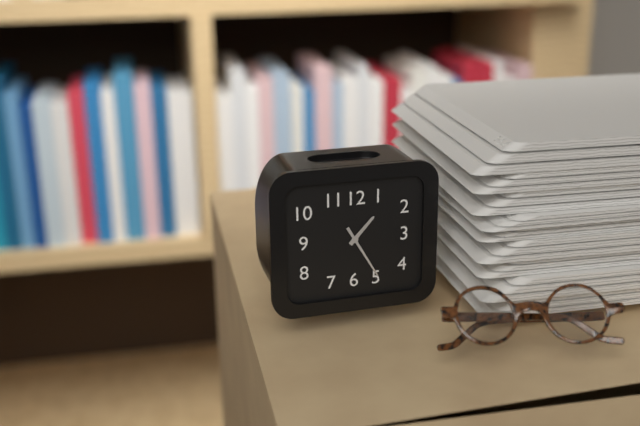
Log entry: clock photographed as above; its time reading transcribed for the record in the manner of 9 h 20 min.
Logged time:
1 h 25 min
